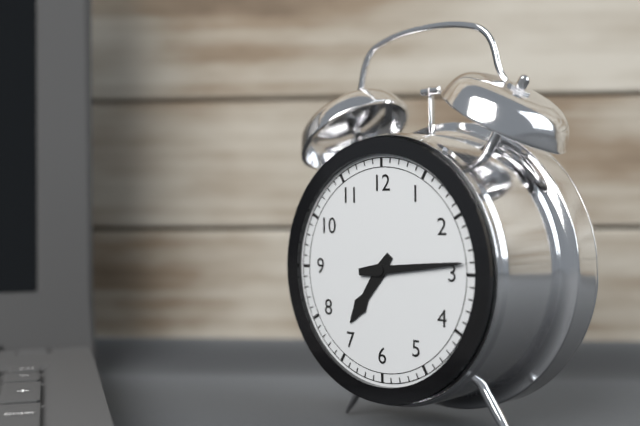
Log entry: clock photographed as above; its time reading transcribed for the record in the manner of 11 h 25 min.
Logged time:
7 h 14 min
